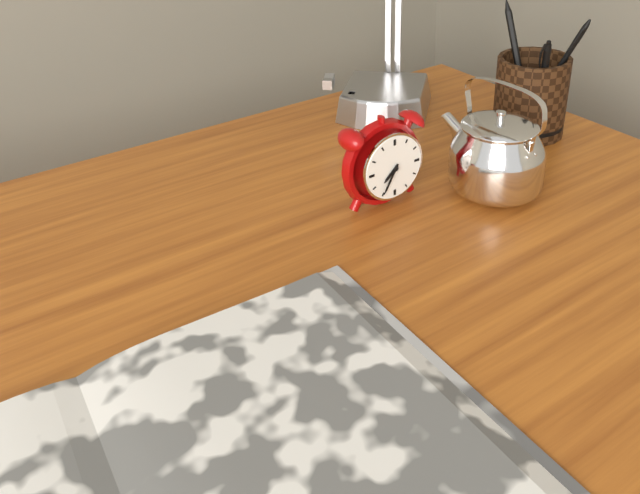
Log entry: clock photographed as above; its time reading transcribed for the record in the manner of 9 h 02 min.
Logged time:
7 h 35 min
